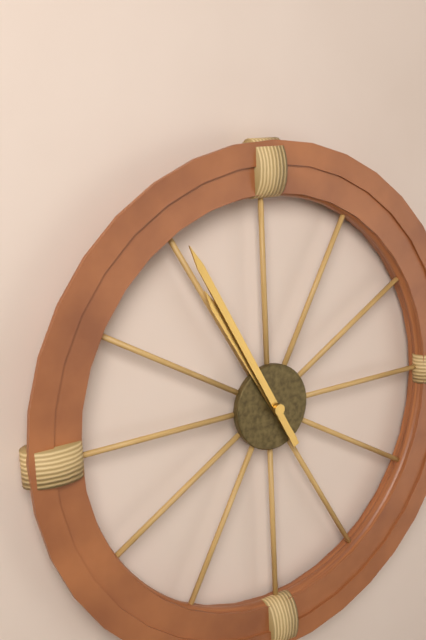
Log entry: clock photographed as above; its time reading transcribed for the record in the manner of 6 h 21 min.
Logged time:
10 h 55 min
